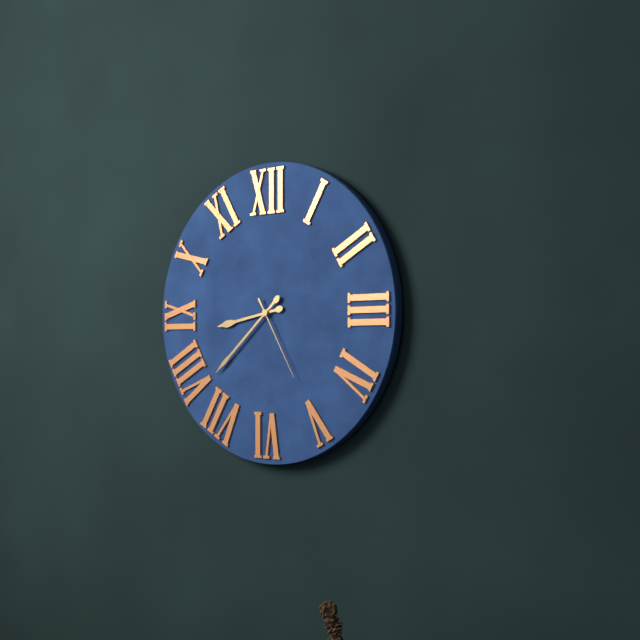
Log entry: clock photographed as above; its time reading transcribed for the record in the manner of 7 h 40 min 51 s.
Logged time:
8 h 38 min 25 s
